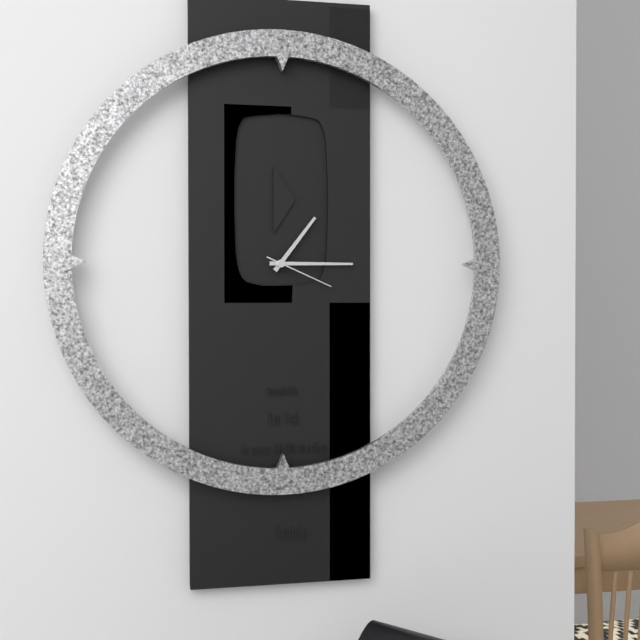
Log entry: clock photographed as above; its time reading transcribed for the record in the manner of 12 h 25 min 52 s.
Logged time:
1 h 15 min 19 s
